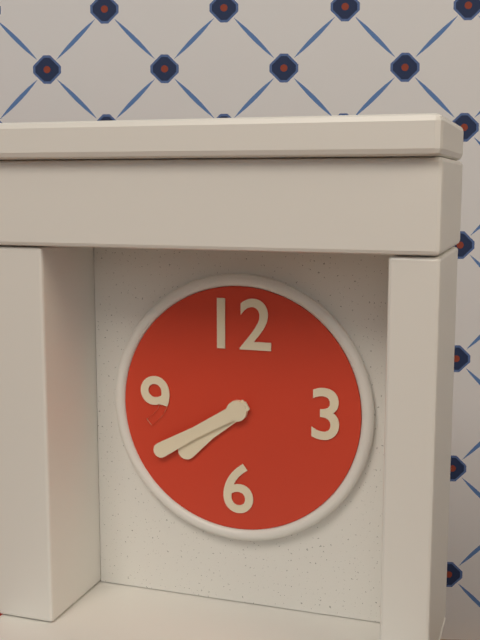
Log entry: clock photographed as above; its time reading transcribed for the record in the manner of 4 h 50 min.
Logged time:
7 h 40 min
